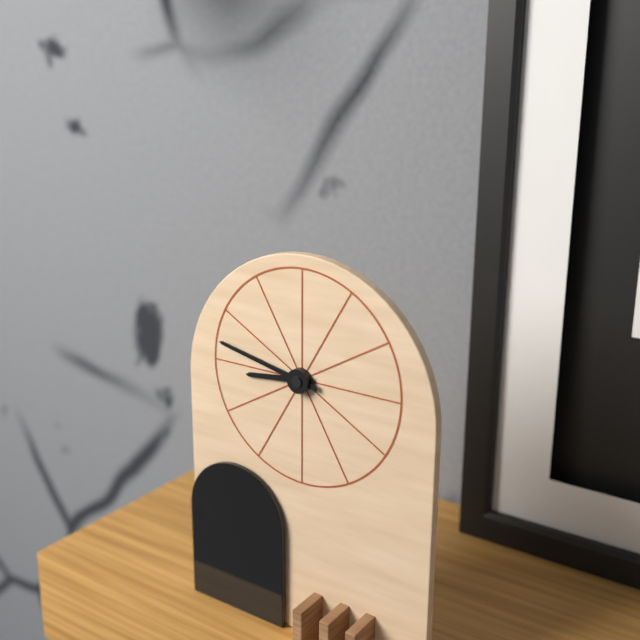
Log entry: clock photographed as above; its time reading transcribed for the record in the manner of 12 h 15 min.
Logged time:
8 h 47 min
